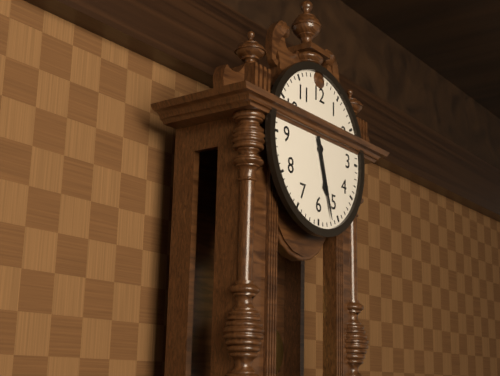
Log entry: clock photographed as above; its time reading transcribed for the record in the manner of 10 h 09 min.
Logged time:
5 h 27 min
